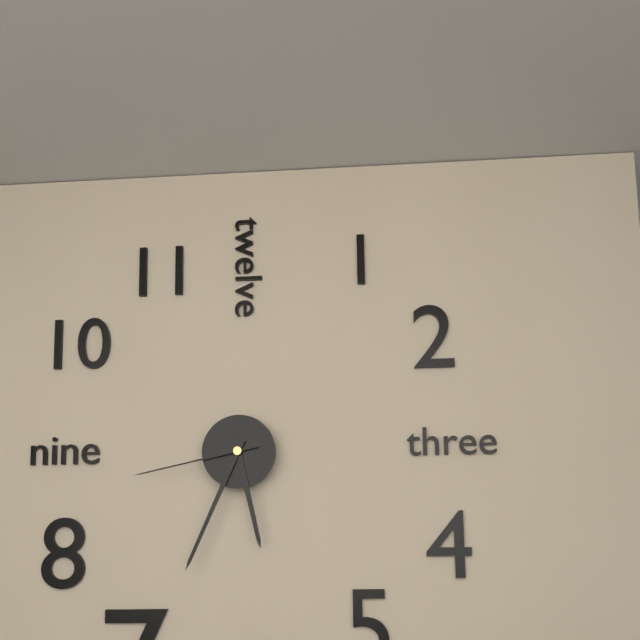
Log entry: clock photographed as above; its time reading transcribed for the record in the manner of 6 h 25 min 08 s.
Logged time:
5 h 34 min 43 s
